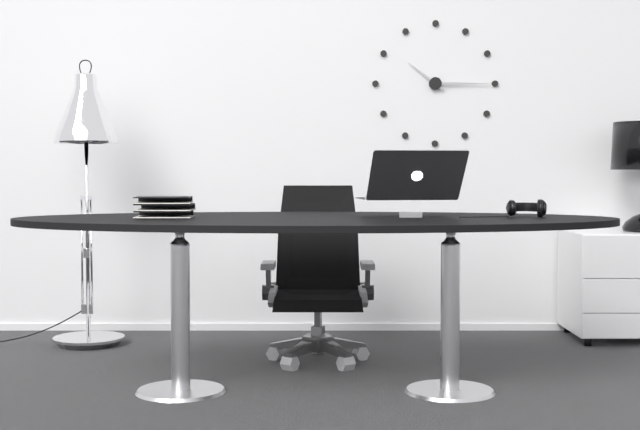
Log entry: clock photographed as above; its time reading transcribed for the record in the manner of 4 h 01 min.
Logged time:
10 h 15 min
